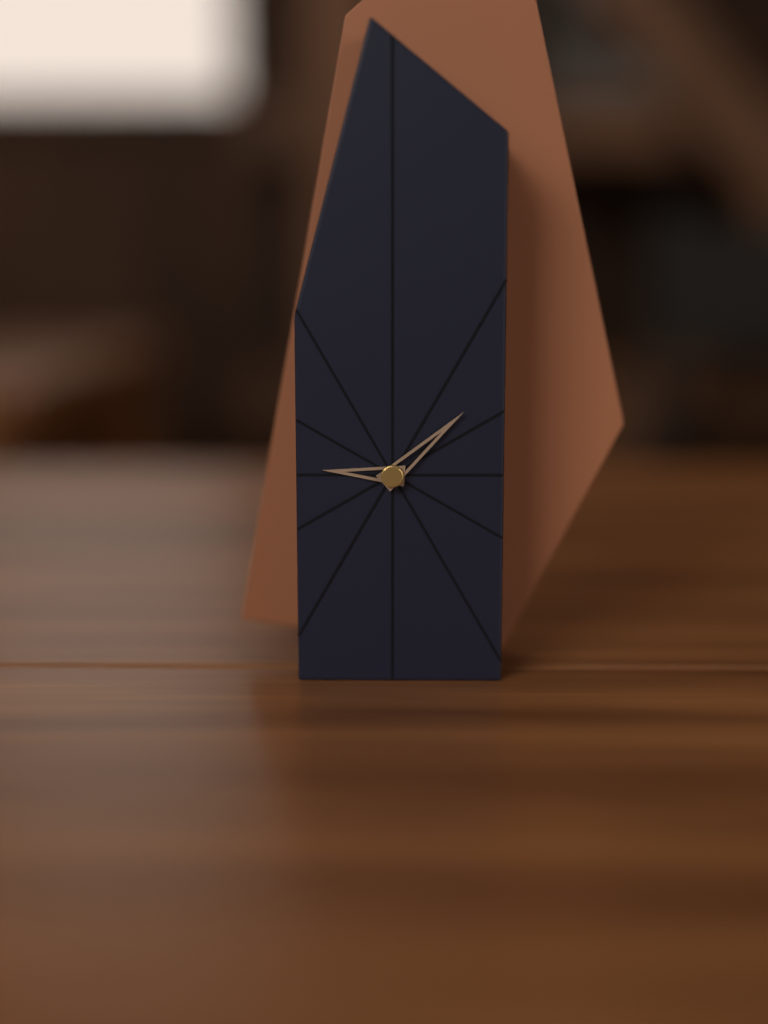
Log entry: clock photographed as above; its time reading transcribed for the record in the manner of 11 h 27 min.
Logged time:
9 h 08 min
